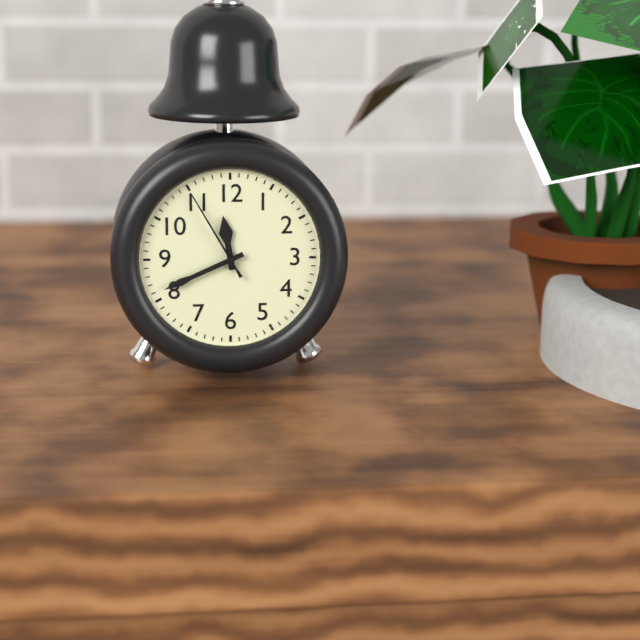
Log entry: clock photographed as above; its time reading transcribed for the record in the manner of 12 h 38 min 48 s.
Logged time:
11 h 41 min 55 s
